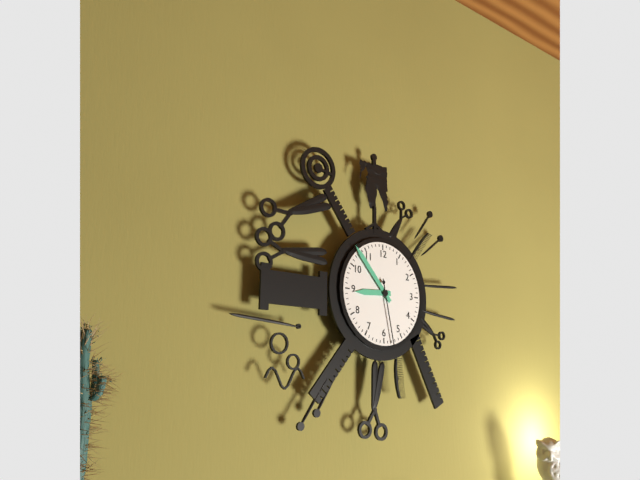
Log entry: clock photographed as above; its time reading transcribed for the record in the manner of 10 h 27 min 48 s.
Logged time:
8 h 53 min 28 s
